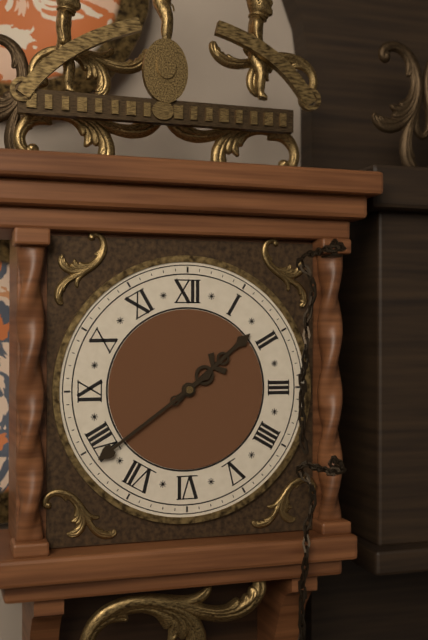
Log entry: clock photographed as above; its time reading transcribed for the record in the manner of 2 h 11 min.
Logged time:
1 h 39 min
